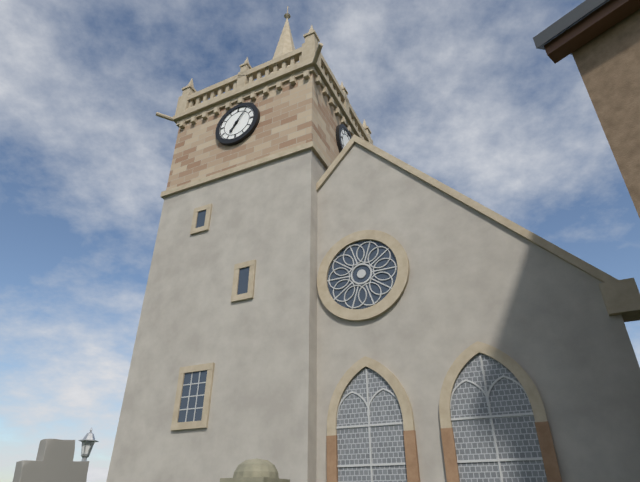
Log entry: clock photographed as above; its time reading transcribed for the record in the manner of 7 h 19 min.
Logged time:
7 h 06 min
